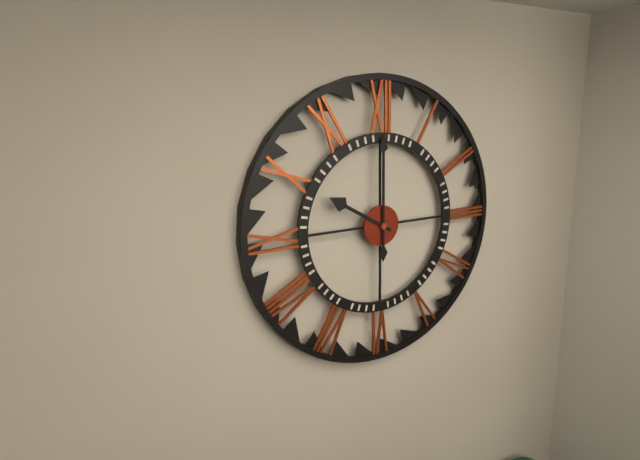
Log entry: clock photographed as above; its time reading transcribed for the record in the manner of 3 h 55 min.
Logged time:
10 h 00 min
